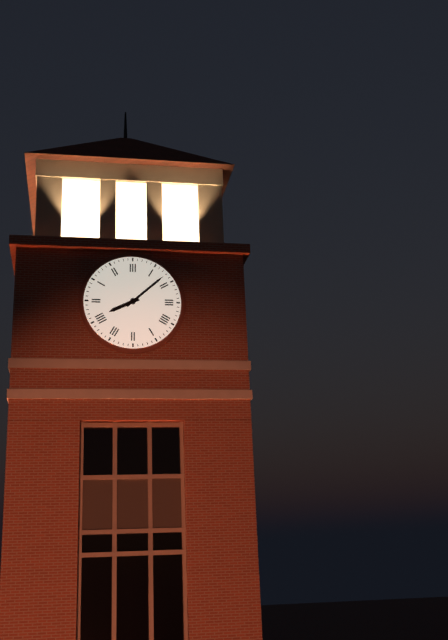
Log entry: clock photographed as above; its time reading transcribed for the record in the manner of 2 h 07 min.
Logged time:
8 h 08 min
